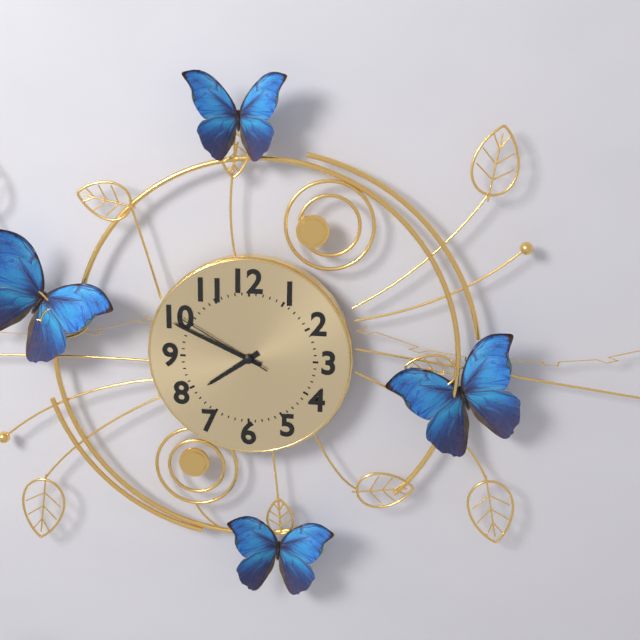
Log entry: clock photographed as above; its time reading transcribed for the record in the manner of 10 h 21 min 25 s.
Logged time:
7 h 49 min 50 s
